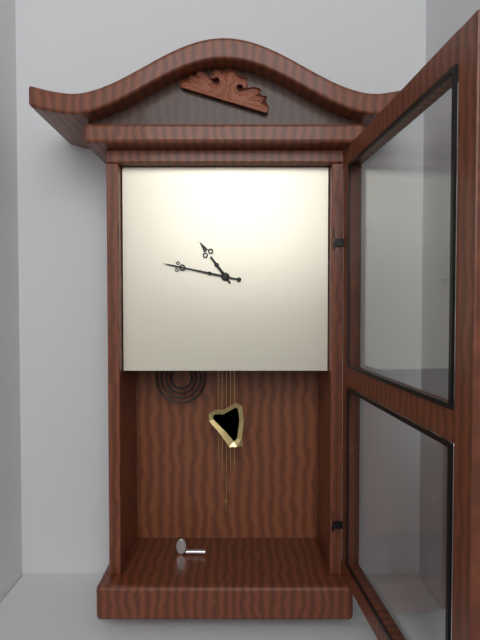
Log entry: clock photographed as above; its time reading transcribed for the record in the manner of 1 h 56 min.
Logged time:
10 h 47 min
